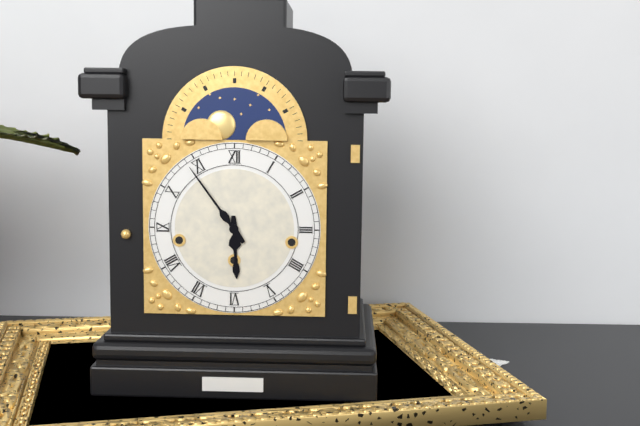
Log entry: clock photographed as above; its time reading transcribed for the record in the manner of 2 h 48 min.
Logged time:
5 h 54 min
